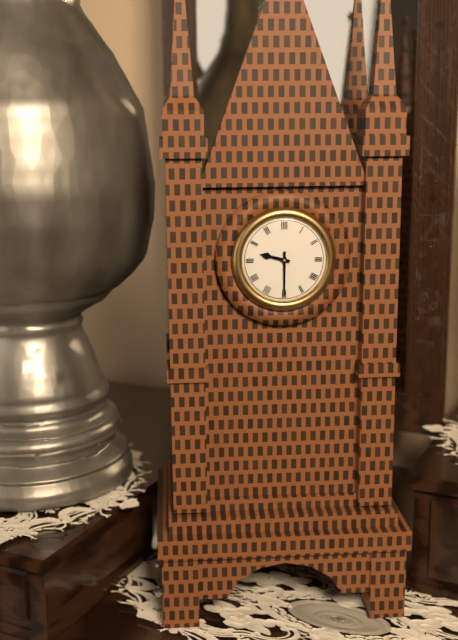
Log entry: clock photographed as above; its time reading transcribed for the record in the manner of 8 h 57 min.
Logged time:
9 h 30 min
